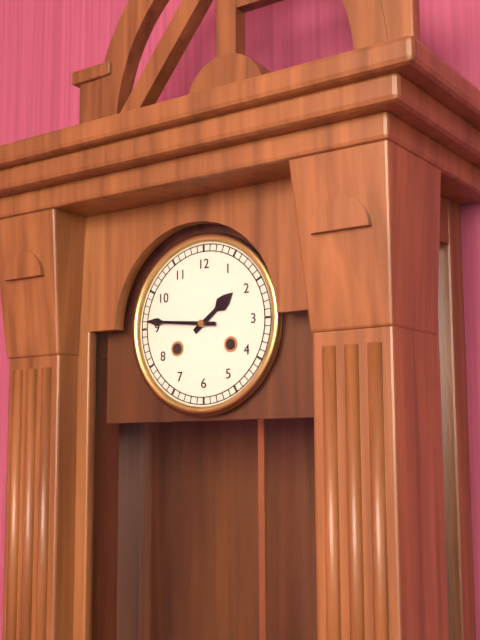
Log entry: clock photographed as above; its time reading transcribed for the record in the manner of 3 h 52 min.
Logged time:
1 h 46 min
